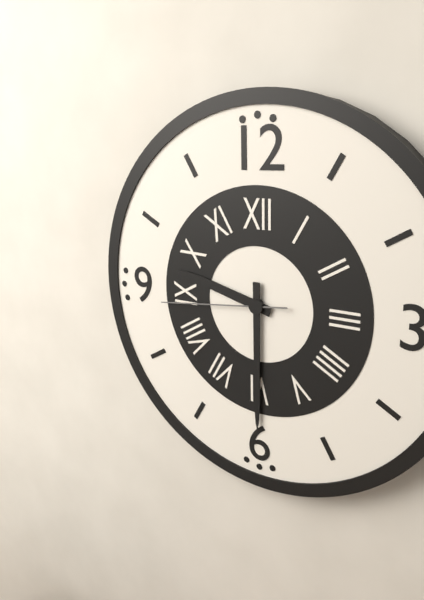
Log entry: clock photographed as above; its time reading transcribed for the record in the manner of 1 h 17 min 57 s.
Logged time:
9 h 30 min 44 s
